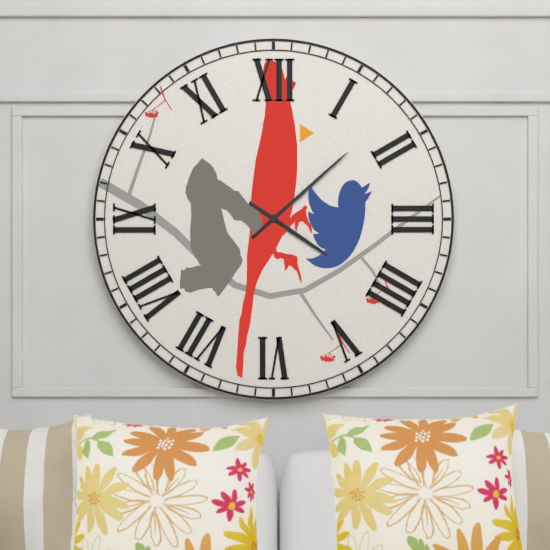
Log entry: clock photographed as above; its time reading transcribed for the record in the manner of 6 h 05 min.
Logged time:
4 h 08 min
